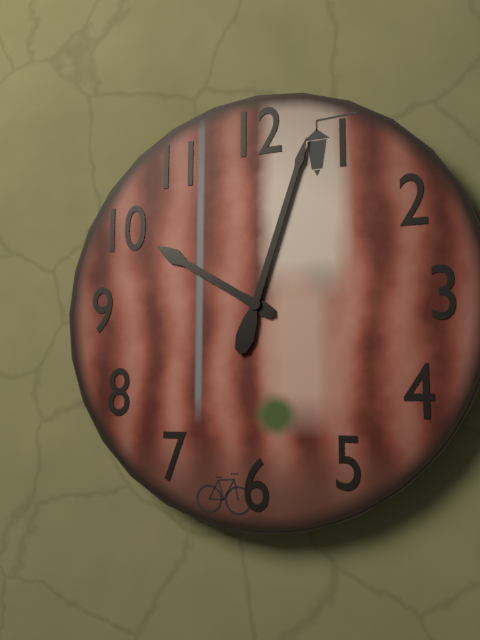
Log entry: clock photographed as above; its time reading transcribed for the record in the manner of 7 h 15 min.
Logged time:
10 h 03 min
